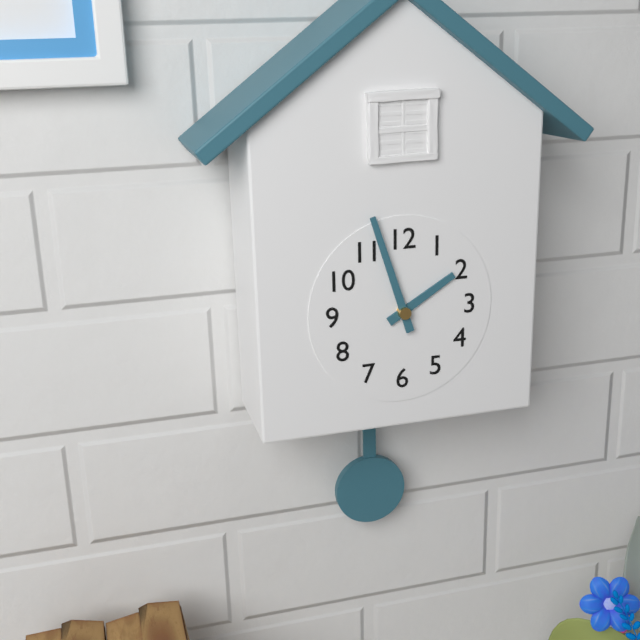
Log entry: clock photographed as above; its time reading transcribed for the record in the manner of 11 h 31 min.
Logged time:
1 h 57 min
